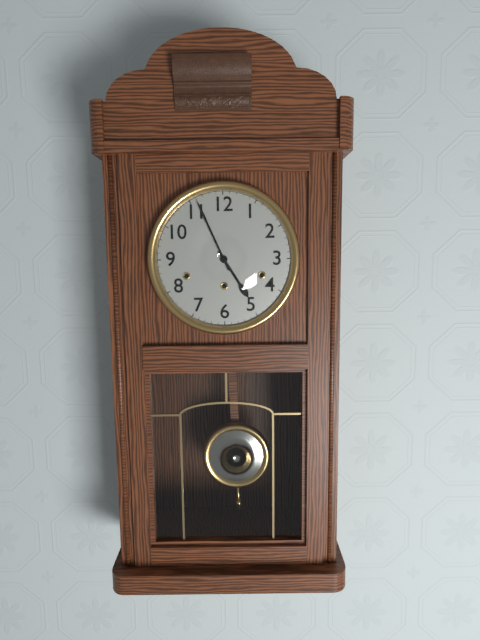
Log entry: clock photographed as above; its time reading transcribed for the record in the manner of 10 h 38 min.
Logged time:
4 h 56 min
